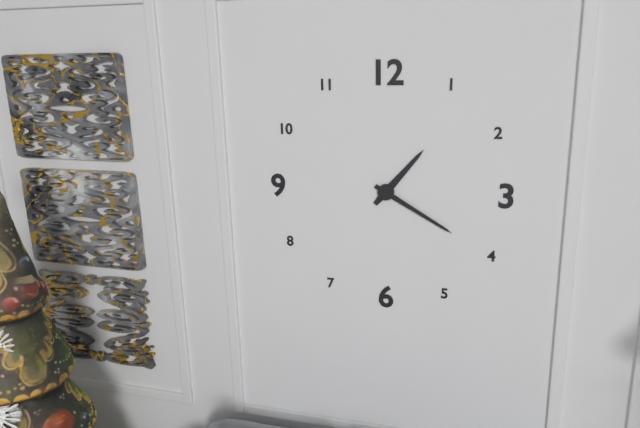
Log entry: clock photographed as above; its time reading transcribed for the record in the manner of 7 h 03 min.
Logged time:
1 h 20 min
